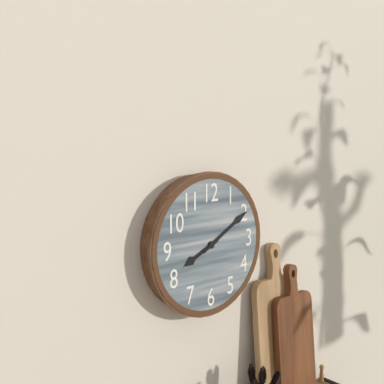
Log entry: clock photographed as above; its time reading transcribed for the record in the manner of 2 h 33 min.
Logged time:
8 h 10 min
